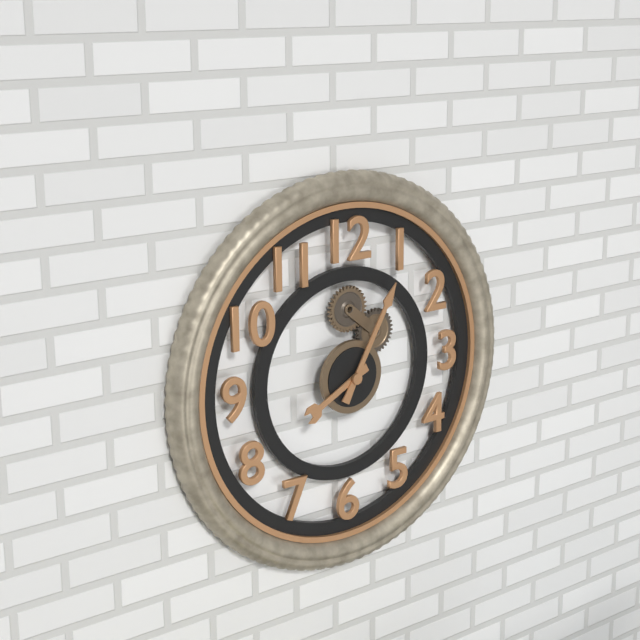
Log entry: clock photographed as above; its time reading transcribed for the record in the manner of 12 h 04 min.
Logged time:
8 h 05 min
